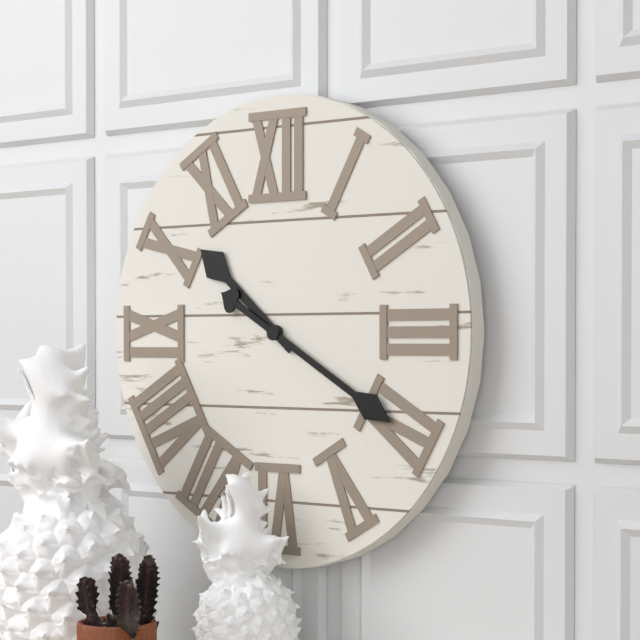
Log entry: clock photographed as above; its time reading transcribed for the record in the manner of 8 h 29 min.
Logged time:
10 h 20 min
